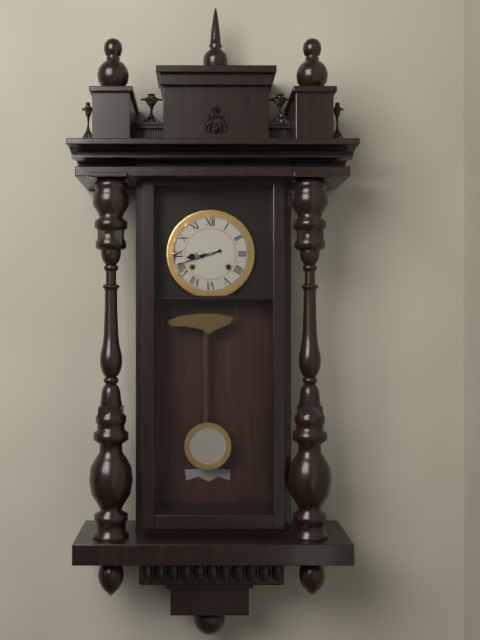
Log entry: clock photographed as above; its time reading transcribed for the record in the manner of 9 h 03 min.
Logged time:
8 h 42 min
